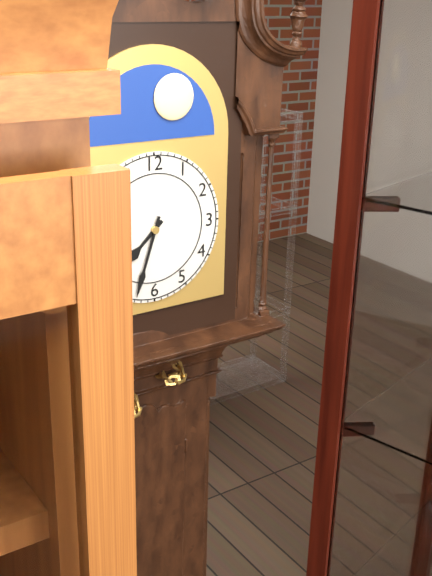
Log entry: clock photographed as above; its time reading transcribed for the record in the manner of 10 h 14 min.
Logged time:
7 h 33 min
